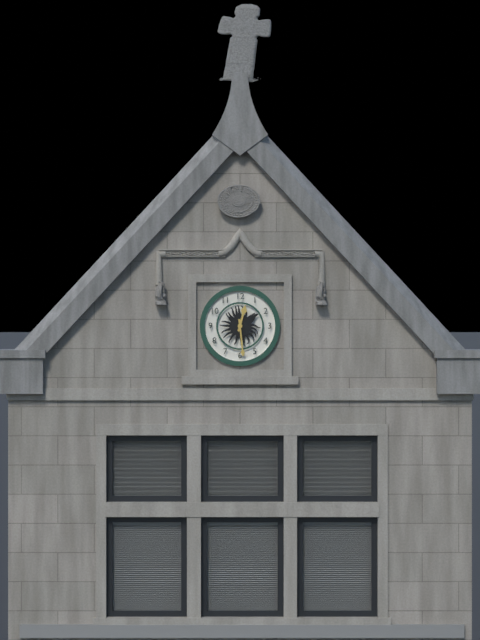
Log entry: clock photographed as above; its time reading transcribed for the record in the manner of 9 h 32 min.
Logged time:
12 h 29 min
